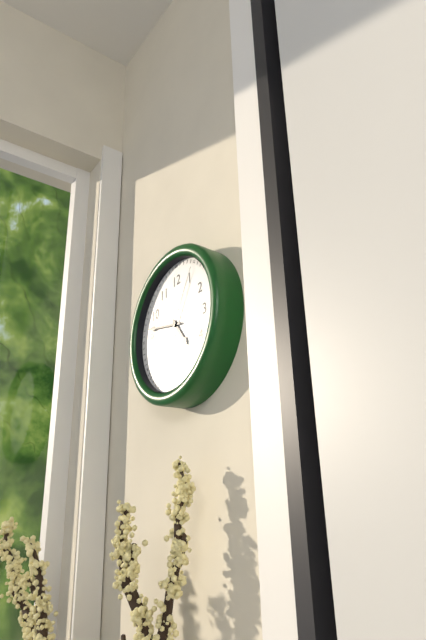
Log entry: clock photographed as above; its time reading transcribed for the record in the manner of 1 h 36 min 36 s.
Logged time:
4 h 47 min 05 s
